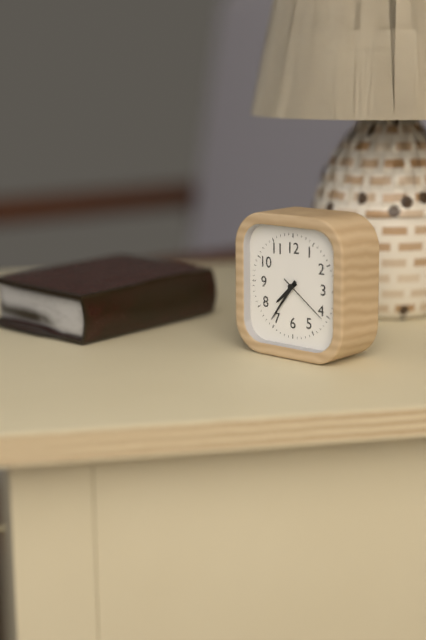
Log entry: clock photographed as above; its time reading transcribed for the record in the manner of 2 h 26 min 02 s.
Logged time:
7 h 36 min 21 s
